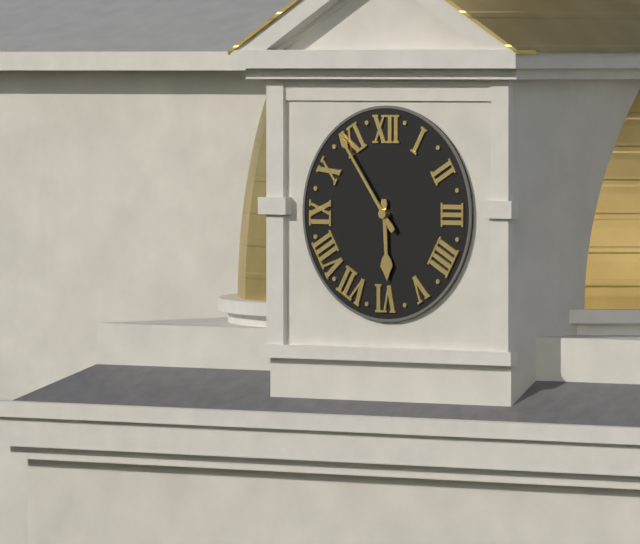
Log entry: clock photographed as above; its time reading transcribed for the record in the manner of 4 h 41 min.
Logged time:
5 h 54 min
